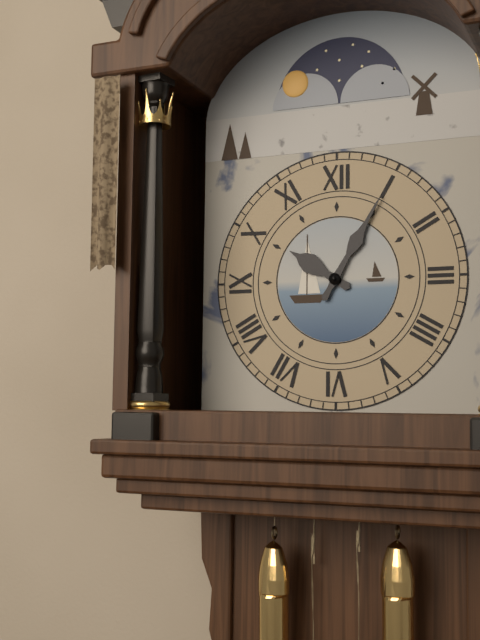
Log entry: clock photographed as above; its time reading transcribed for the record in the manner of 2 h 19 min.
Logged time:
10 h 05 min
